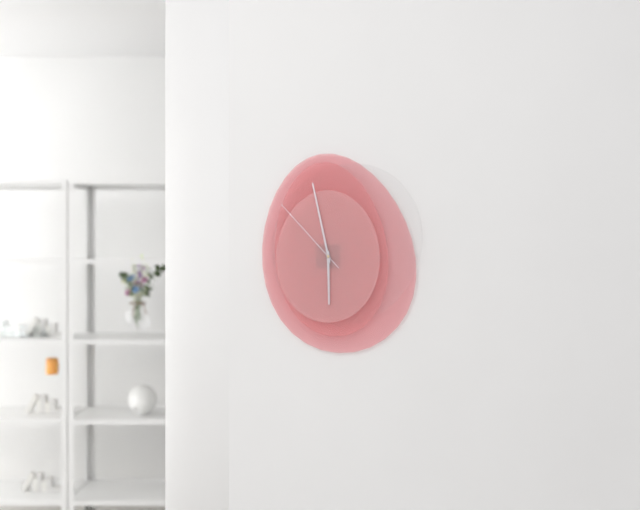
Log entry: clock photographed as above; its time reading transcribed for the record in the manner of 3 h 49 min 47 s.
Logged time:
5 h 58 min 53 s
